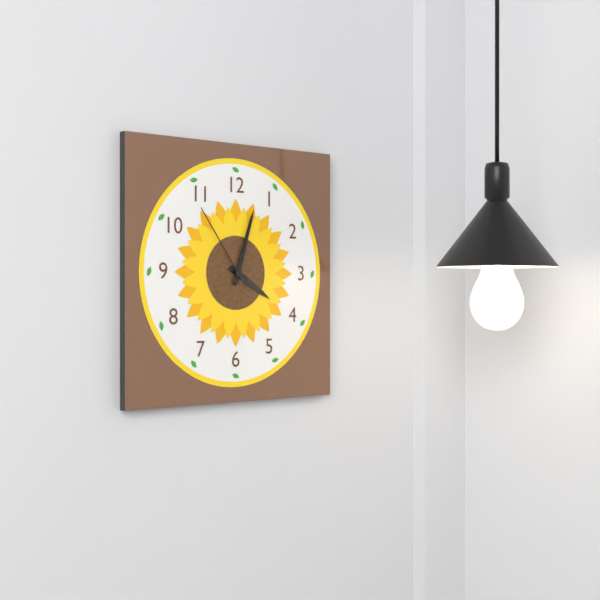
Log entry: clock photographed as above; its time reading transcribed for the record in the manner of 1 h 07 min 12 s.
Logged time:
4 h 03 min 54 s
